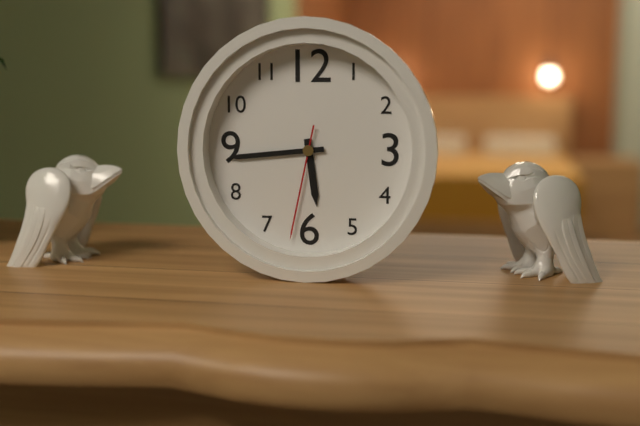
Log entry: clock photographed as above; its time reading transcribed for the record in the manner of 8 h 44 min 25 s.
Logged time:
5 h 44 min 32 s
